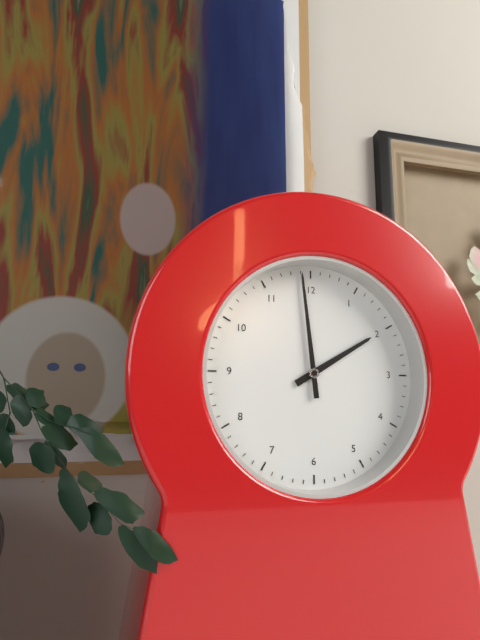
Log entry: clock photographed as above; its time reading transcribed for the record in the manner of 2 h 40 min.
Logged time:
1 h 59 min
